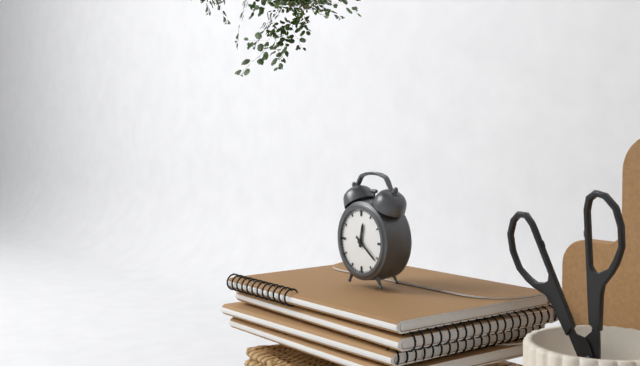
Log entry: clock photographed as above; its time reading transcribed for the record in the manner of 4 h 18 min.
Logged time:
12 h 21 min
